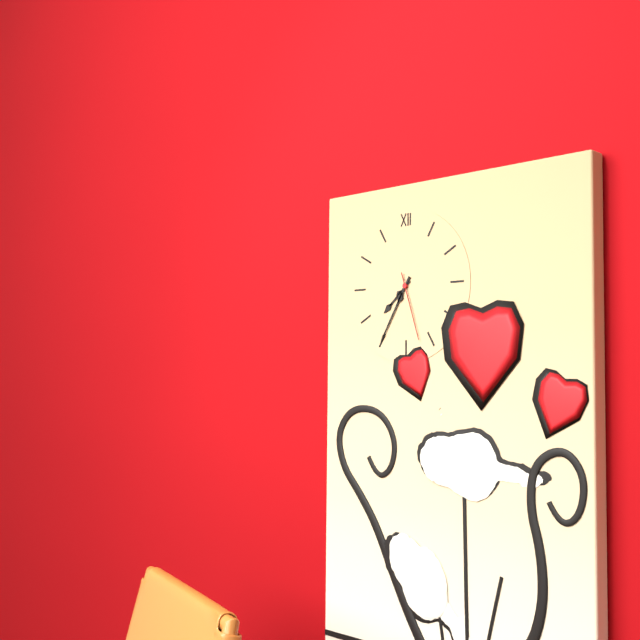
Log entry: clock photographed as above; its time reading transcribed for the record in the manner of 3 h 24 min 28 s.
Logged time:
7 h 35 min 27 s
